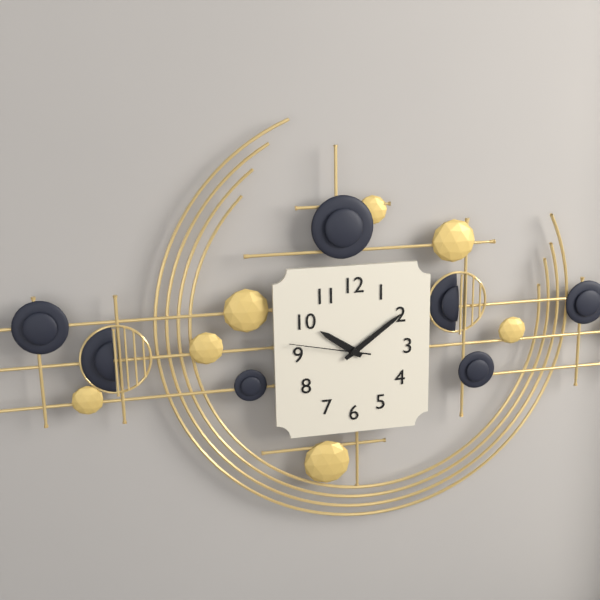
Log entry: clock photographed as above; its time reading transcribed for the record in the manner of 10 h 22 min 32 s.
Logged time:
10 h 09 min 47 s
